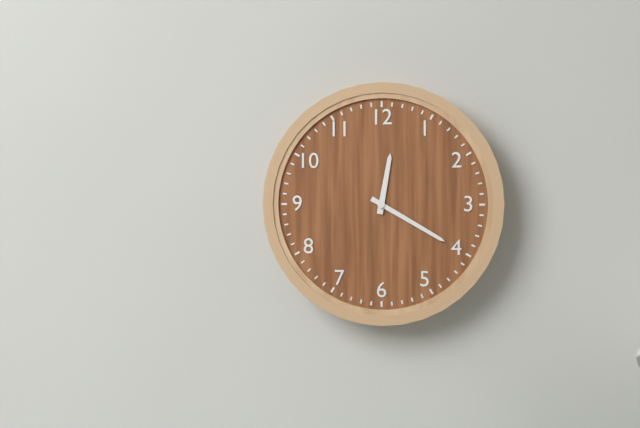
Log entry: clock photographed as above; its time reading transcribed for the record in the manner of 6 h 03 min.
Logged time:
12 h 20 min
